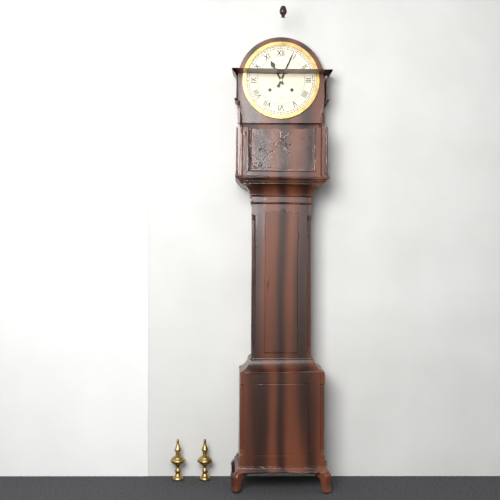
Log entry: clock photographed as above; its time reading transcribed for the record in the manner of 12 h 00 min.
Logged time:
11 h 04 min
